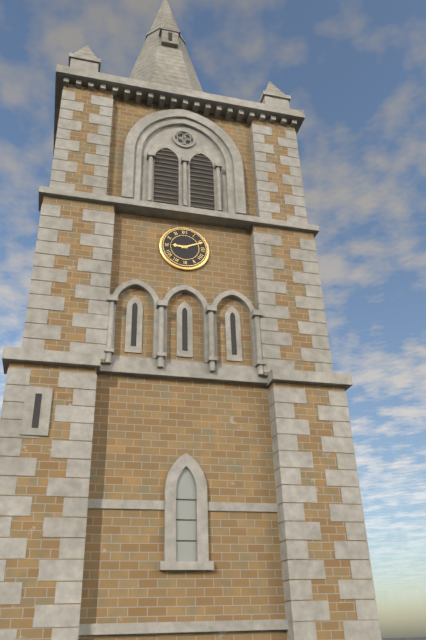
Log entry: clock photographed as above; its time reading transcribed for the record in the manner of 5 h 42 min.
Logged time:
9 h 11 min
